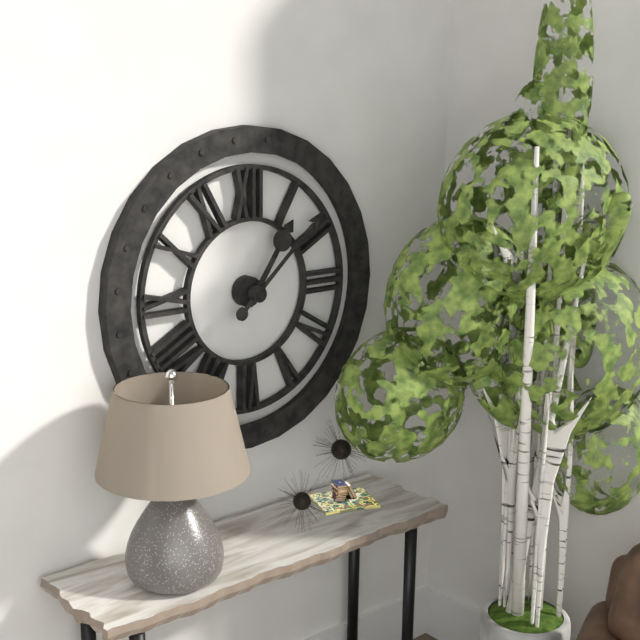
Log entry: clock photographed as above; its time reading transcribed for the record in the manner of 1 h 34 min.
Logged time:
1 h 08 min
